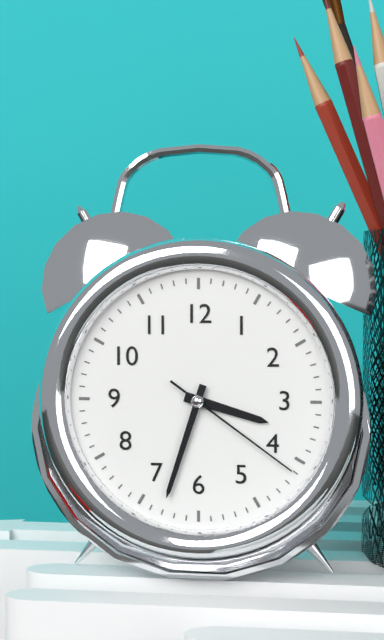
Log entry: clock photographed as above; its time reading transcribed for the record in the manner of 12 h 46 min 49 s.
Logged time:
3 h 33 min 21 s
